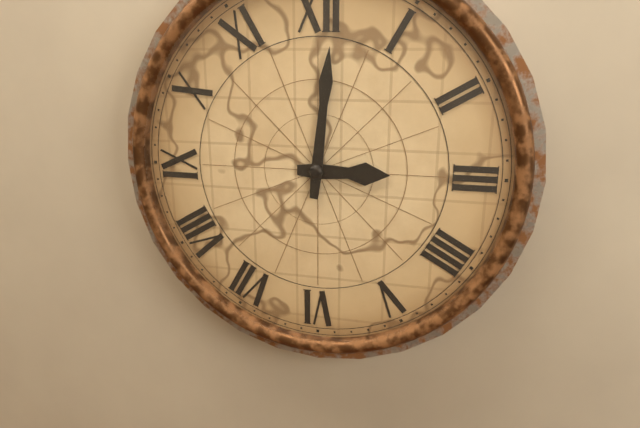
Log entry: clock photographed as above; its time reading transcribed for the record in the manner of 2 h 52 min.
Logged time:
3 h 01 min
